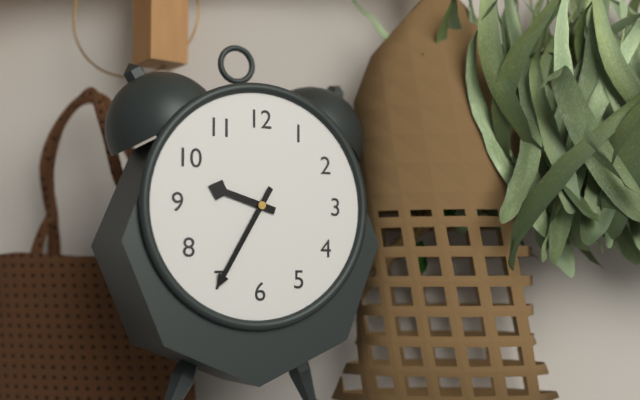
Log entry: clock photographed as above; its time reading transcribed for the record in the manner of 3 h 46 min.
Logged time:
9 h 35 min
